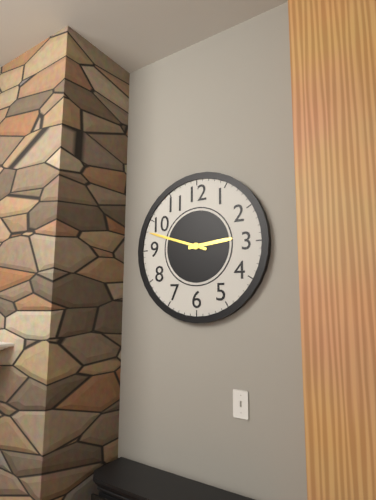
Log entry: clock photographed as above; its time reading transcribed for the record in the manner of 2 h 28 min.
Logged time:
2 h 48 min
